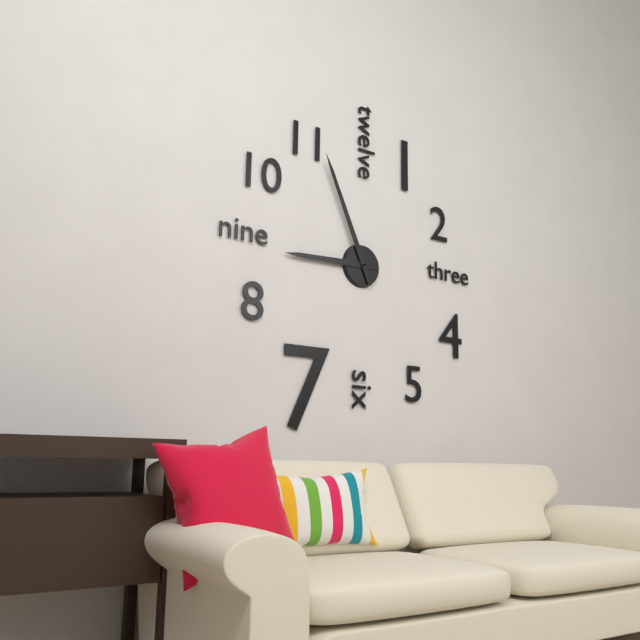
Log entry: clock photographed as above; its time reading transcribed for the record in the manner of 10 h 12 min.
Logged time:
8 h 56 min
